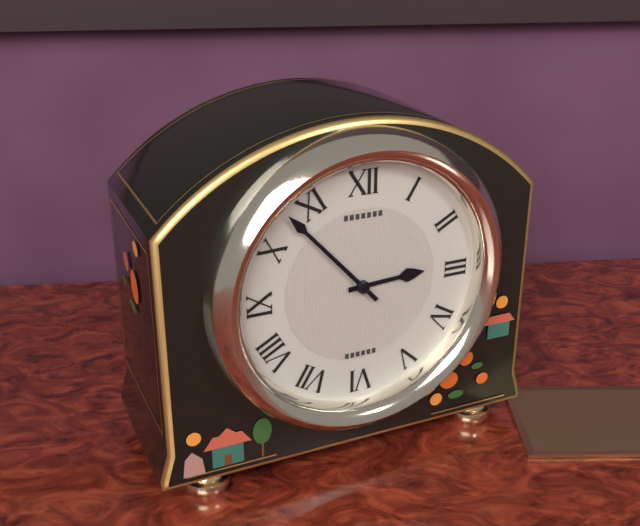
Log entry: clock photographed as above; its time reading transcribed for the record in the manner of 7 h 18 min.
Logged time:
2 h 53 min
